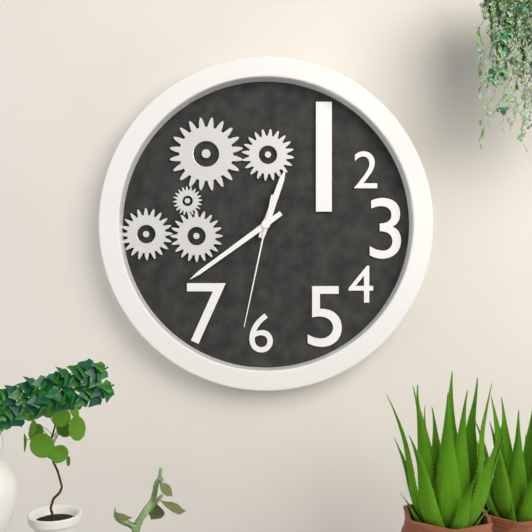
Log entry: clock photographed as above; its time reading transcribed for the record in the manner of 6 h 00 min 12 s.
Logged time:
12 h 39 min 32 s
